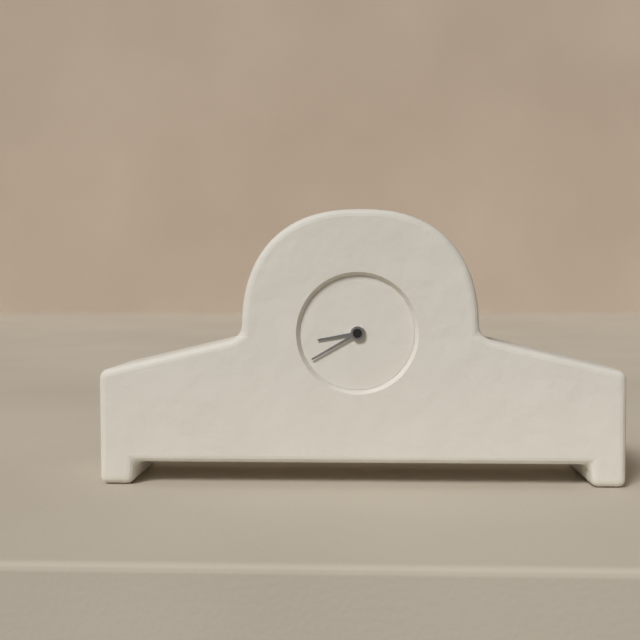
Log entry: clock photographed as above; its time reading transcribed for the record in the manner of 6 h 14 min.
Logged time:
8 h 40 min
